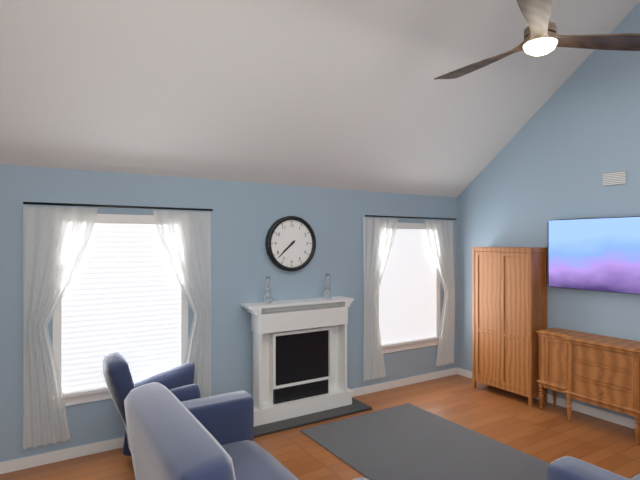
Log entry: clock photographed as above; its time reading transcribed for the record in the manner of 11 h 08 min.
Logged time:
7 h 38 min
